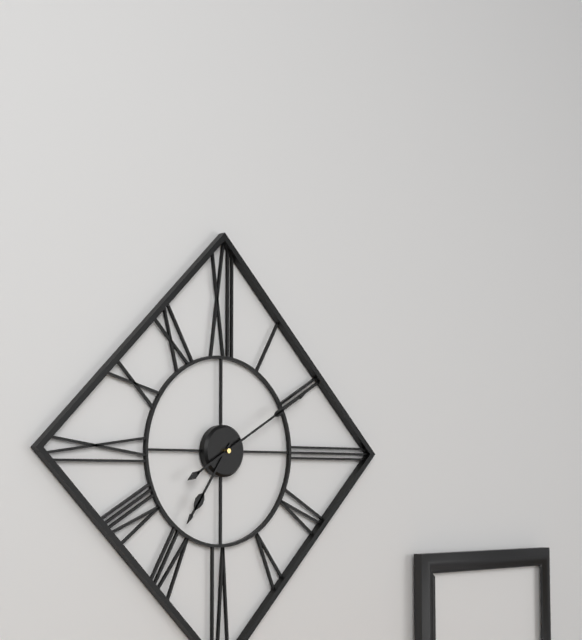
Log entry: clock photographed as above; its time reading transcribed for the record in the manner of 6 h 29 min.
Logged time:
7 h 10 min
